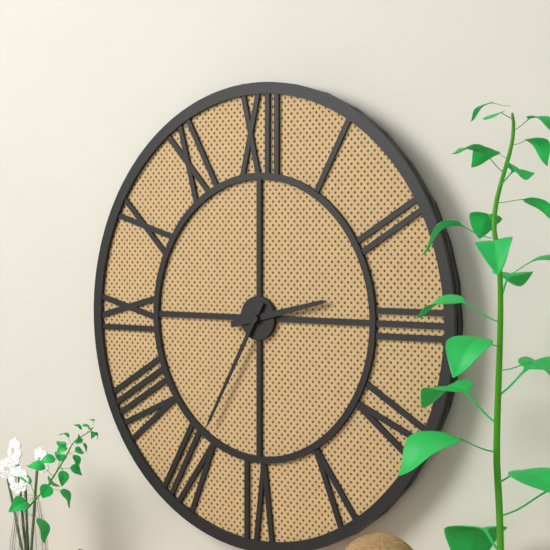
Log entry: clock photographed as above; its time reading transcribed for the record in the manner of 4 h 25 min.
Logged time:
2 h 35 min
